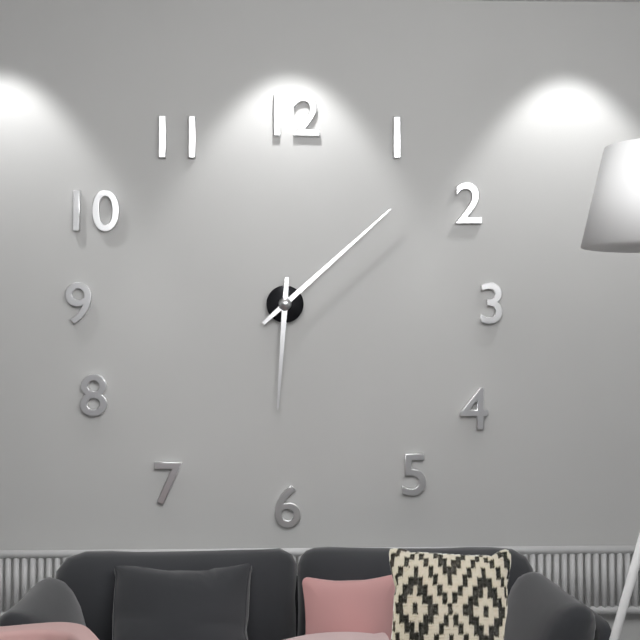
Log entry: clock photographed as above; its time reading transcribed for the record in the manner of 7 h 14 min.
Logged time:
6 h 08 min
